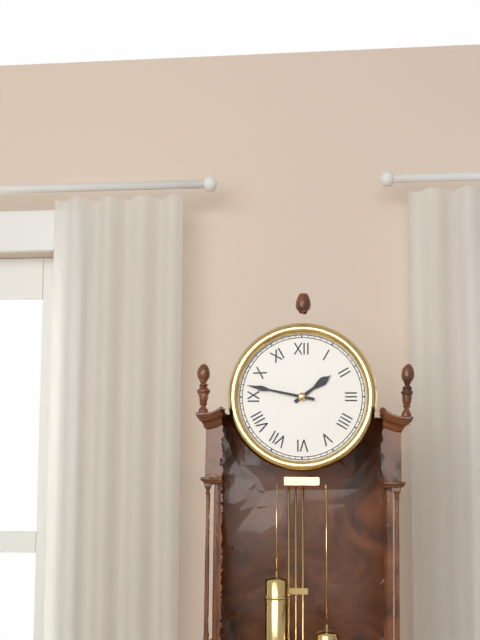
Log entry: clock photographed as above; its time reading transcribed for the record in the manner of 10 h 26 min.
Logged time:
1 h 47 min
